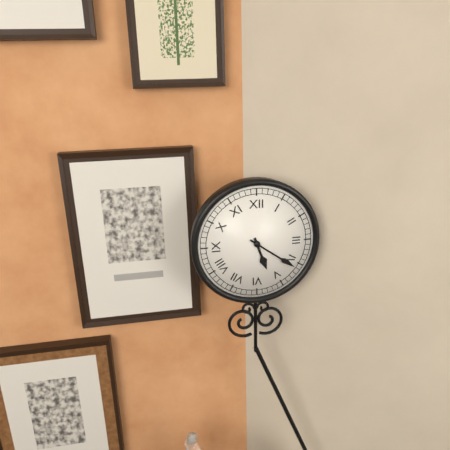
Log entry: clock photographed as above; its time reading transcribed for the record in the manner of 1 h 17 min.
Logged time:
5 h 21 min
